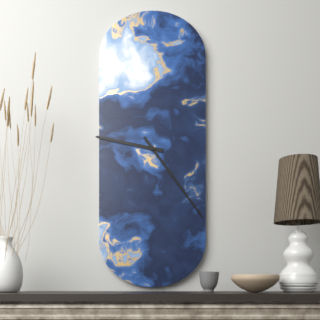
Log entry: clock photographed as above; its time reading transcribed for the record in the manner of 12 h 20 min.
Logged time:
9 h 24 min
